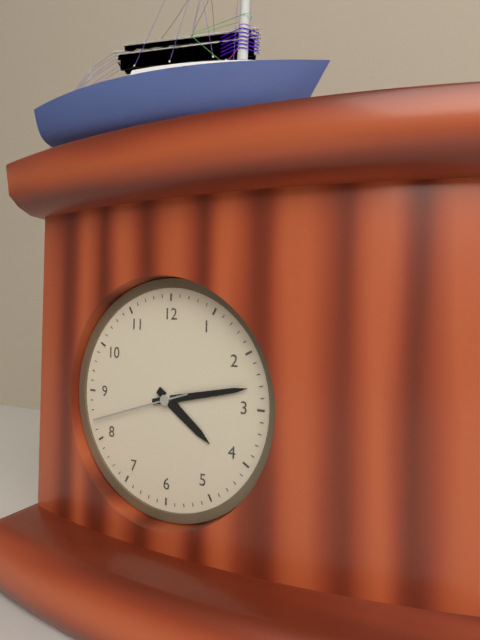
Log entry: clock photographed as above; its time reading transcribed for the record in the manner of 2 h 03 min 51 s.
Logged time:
4 h 13 min 42 s
